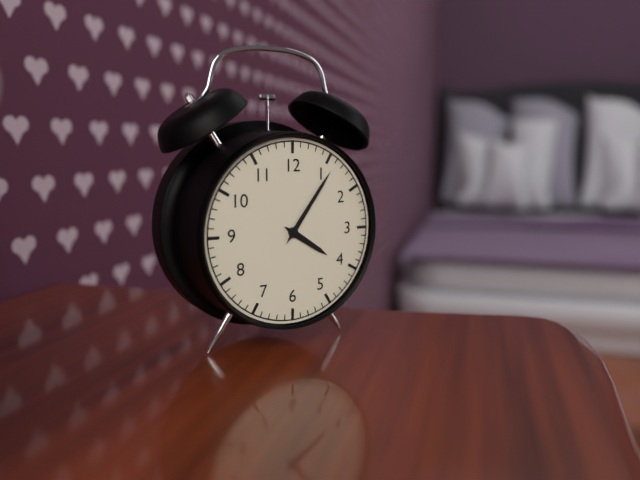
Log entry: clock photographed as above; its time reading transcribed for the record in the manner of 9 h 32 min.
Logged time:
4 h 06 min
